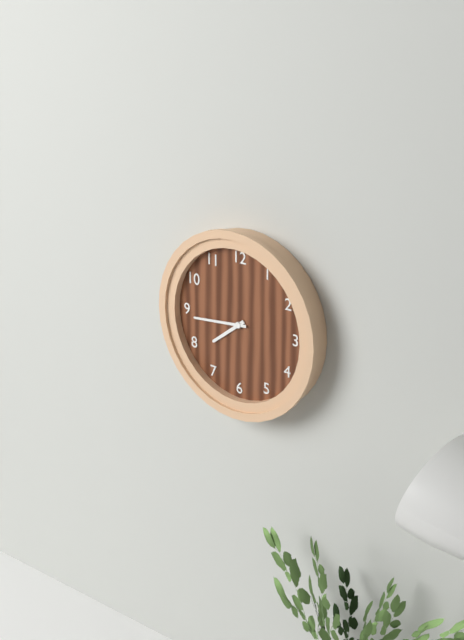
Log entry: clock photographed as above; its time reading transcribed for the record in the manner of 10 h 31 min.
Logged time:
7 h 44 min
